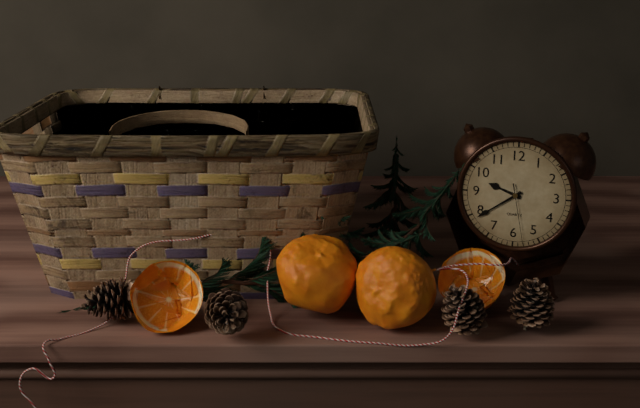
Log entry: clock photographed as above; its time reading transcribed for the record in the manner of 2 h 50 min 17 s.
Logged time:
9 h 39 min 28 s
